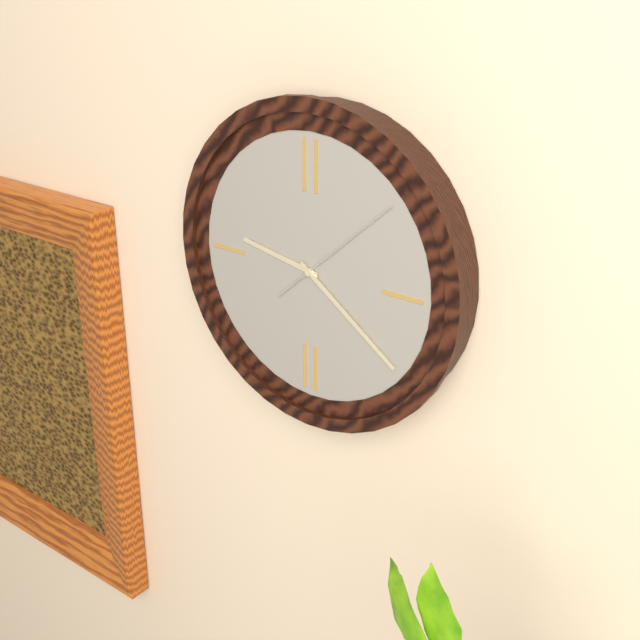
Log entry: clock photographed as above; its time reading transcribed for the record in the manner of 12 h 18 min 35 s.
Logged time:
9 h 21 min 08 s
